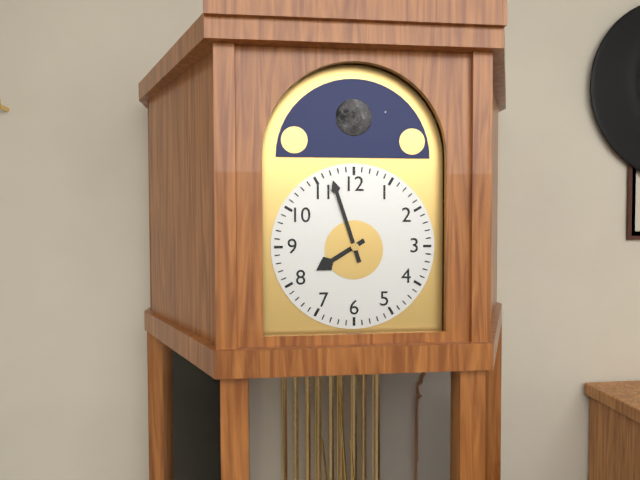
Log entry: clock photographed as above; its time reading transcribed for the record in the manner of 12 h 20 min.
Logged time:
7 h 57 min
